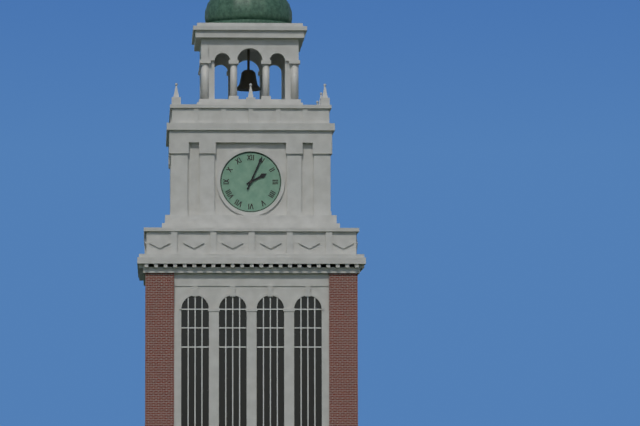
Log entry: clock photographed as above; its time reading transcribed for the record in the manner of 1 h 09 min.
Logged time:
2 h 04 min
